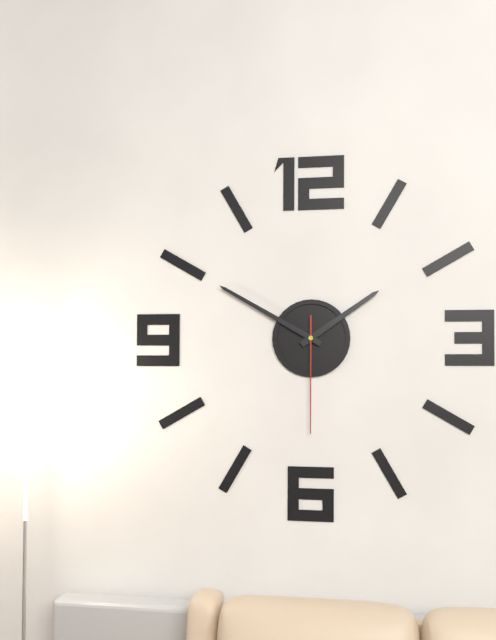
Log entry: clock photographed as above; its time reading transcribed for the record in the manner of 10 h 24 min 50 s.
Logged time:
1 h 50 min 30 s
